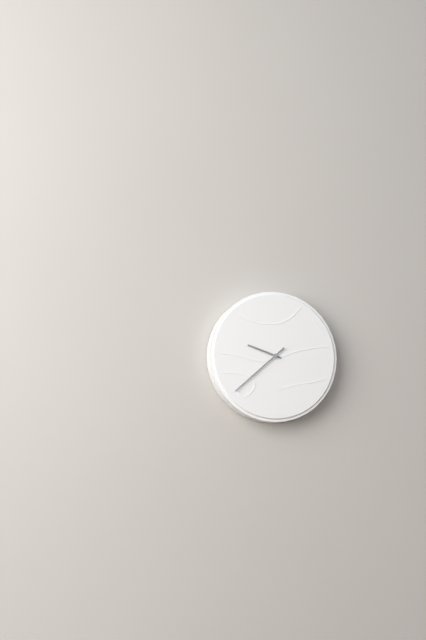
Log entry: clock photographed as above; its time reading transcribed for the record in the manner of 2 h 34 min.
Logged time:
9 h 38 min
